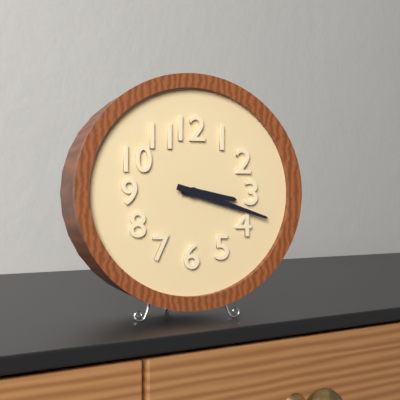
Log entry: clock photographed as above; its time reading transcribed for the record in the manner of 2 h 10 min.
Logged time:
3 h 18 min
